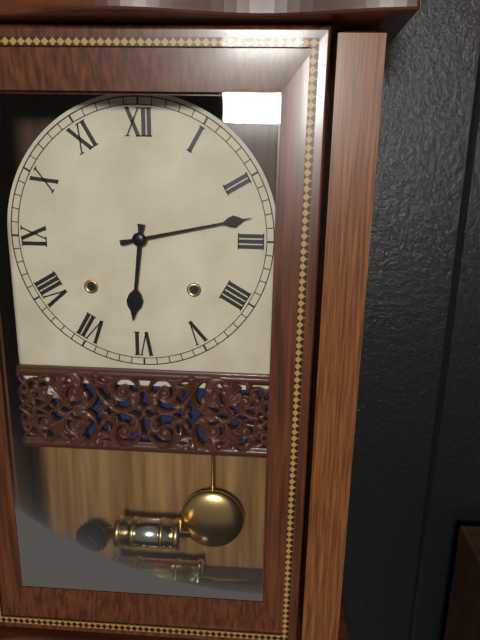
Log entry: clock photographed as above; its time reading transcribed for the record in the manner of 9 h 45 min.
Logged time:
6 h 13 min
